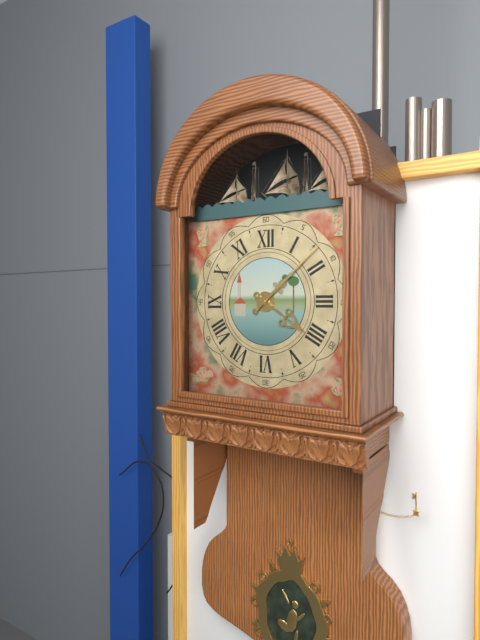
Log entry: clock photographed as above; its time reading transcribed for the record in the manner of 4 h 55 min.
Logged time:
4 h 08 min
